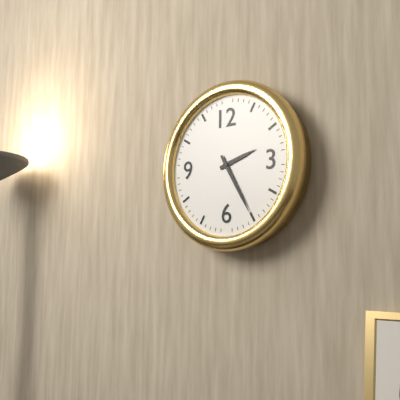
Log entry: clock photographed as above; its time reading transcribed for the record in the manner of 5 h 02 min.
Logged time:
2 h 25 min
